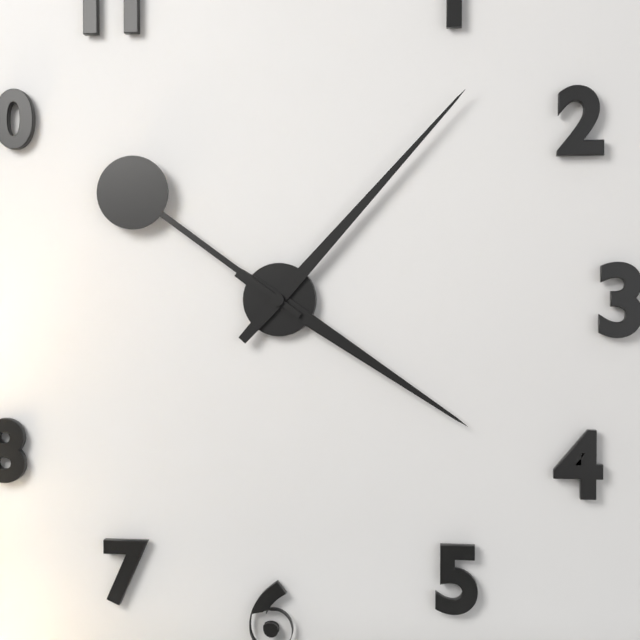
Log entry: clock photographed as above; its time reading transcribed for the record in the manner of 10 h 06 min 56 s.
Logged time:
4 h 07 min 51 s
